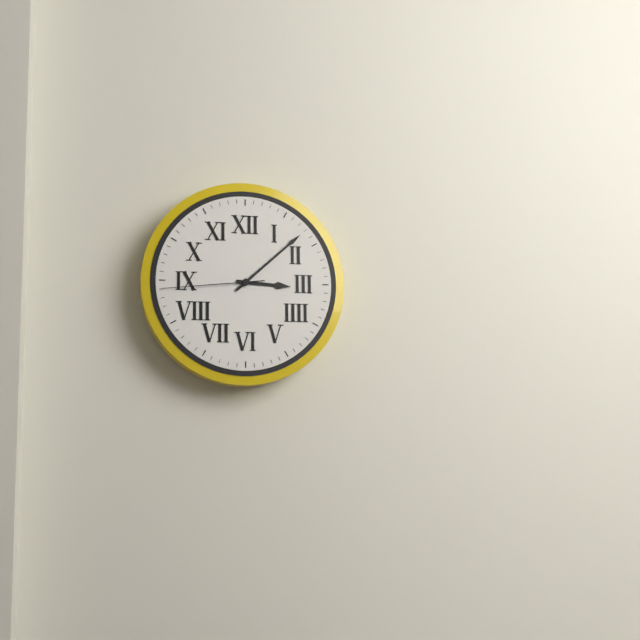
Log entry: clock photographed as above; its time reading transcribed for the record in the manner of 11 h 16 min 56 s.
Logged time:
3 h 08 min 44 s
